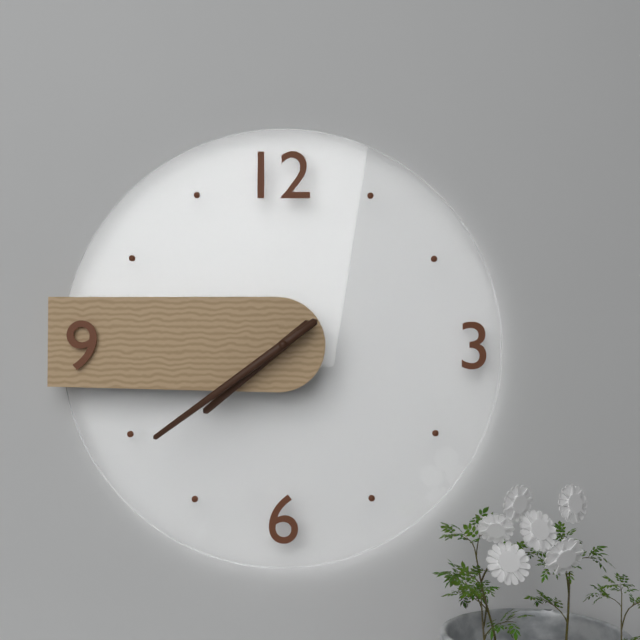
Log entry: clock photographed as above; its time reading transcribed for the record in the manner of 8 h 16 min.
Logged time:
7 h 39 min
